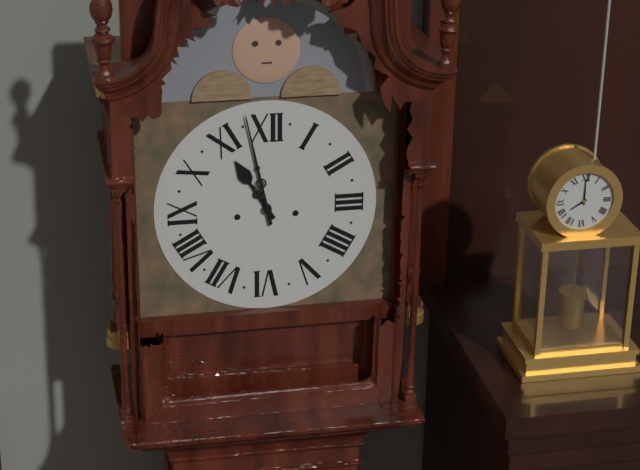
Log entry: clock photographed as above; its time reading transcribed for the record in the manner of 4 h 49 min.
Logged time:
10 h 58 min
